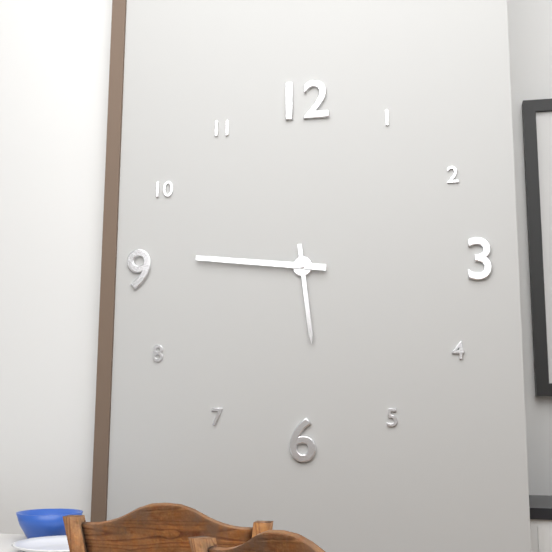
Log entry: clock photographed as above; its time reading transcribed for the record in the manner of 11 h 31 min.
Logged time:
5 h 46 min
